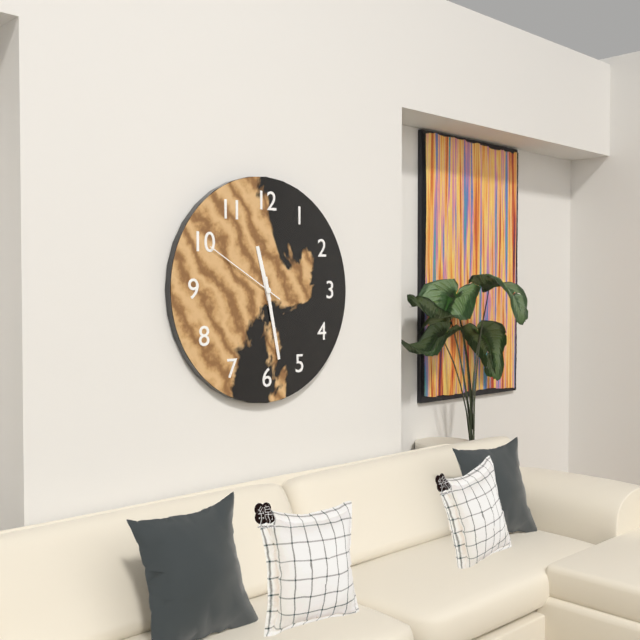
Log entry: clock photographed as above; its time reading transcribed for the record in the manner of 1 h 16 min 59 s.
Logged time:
11 h 28 min 50 s
